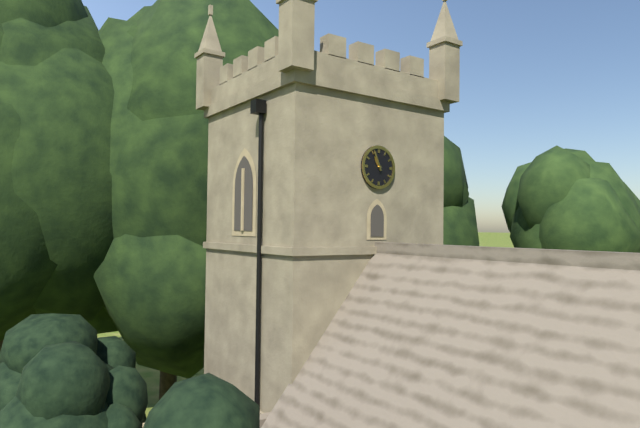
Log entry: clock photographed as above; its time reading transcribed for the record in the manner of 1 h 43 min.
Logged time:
10 h 56 min
